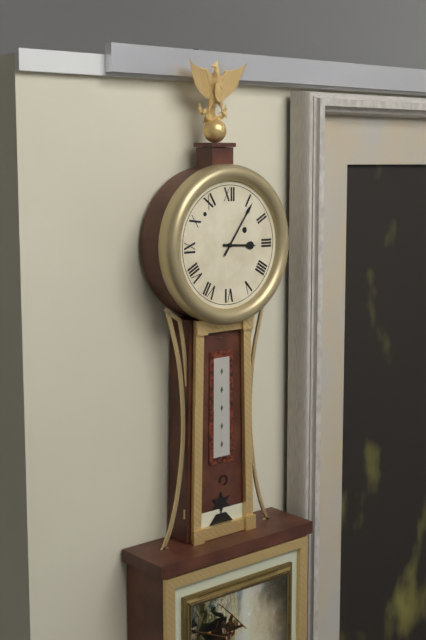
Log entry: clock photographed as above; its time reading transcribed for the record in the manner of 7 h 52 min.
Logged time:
3 h 06 min
